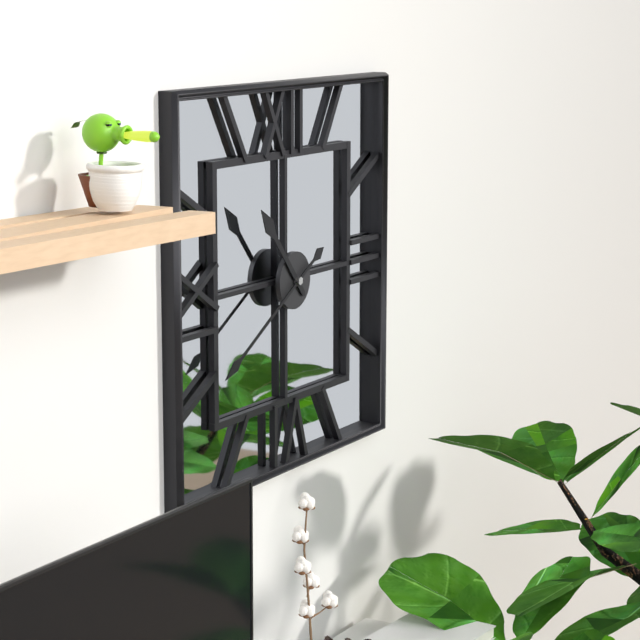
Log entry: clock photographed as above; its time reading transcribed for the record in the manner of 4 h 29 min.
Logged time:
10 h 40 min
